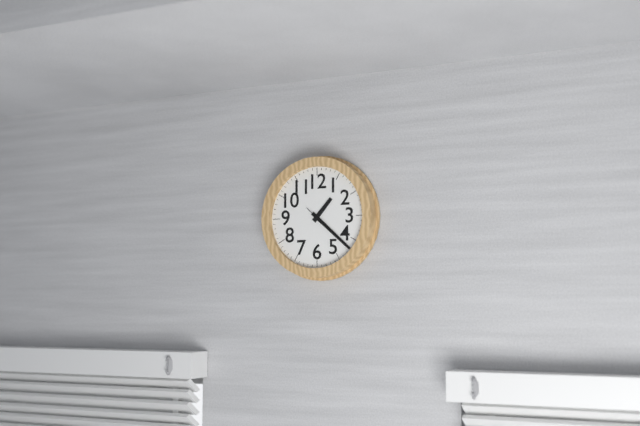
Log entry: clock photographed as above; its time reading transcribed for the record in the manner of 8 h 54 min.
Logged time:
1 h 22 min
